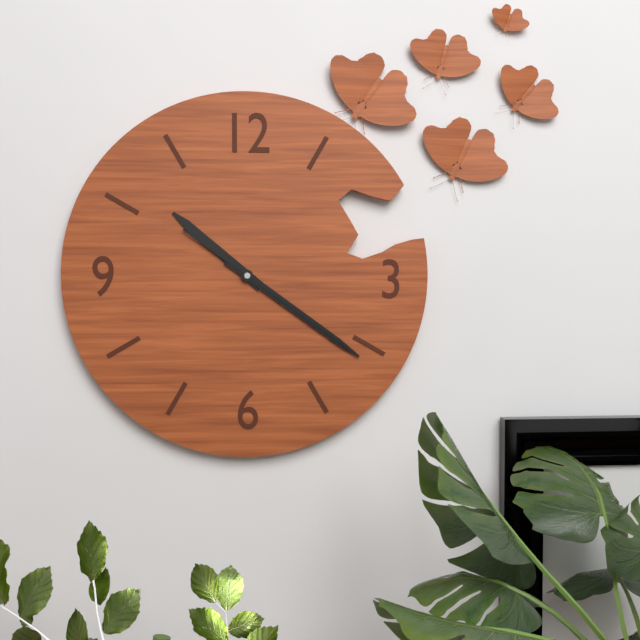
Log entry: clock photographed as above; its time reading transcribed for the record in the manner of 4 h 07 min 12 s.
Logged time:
10 h 21 min 21 s
